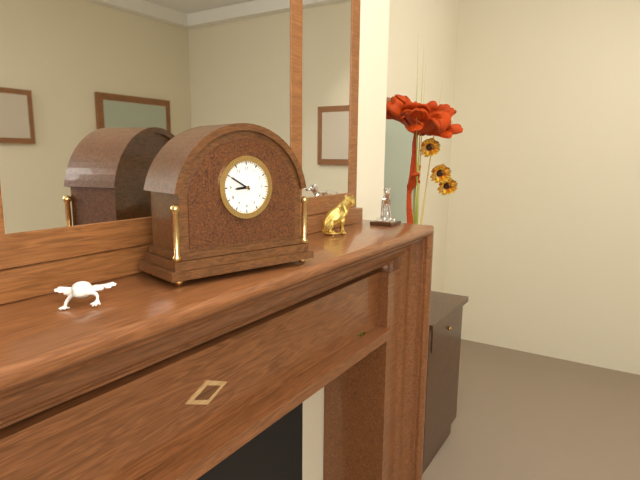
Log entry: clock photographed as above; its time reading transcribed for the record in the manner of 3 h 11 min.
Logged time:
8 h 50 min
